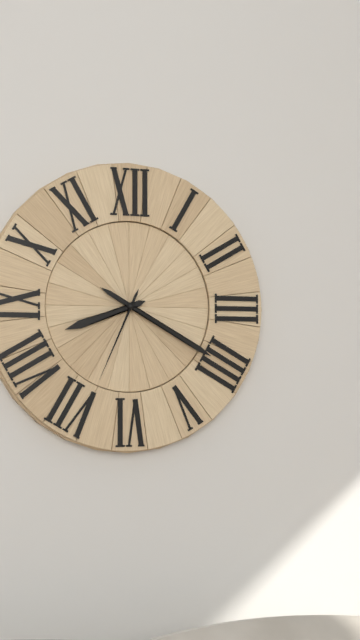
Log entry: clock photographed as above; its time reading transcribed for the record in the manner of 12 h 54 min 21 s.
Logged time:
8 h 20 min 34 s
